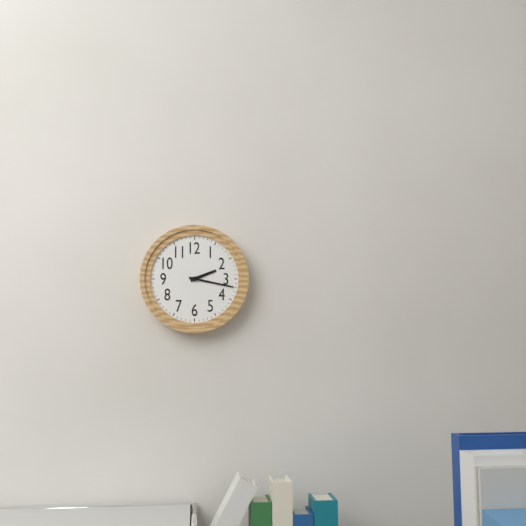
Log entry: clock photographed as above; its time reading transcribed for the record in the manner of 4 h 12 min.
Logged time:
2 h 17 min
